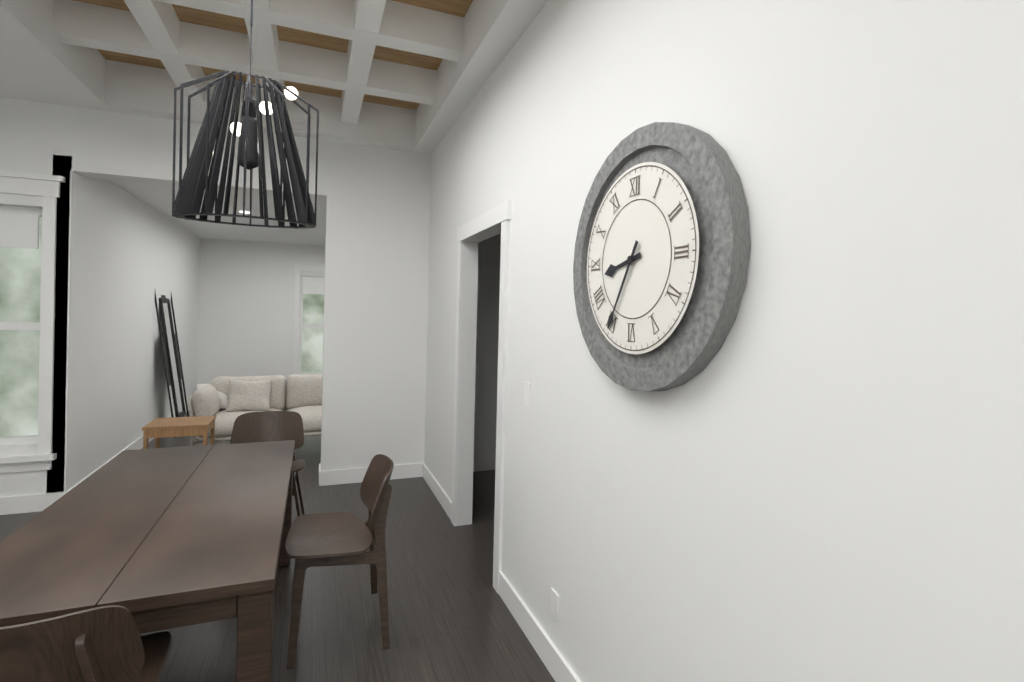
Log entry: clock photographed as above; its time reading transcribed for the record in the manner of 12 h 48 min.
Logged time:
8 h 35 min
